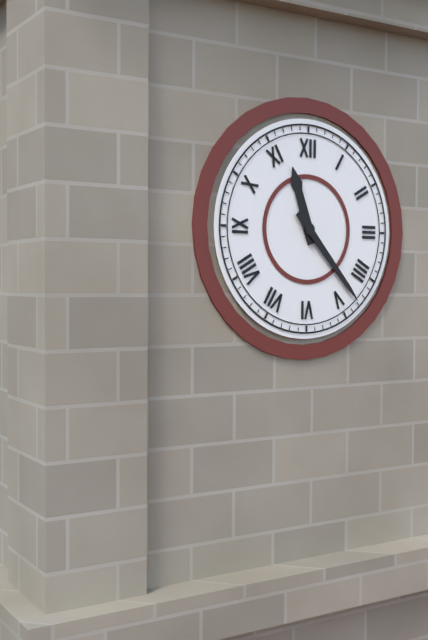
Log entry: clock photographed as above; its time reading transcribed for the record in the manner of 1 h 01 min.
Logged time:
11 h 23 min
